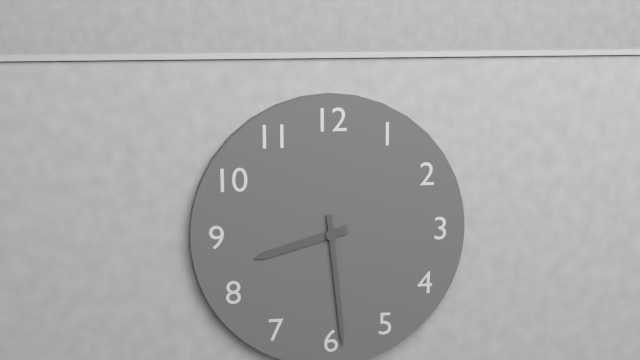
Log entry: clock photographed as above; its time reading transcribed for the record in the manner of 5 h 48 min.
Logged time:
8 h 29 min
